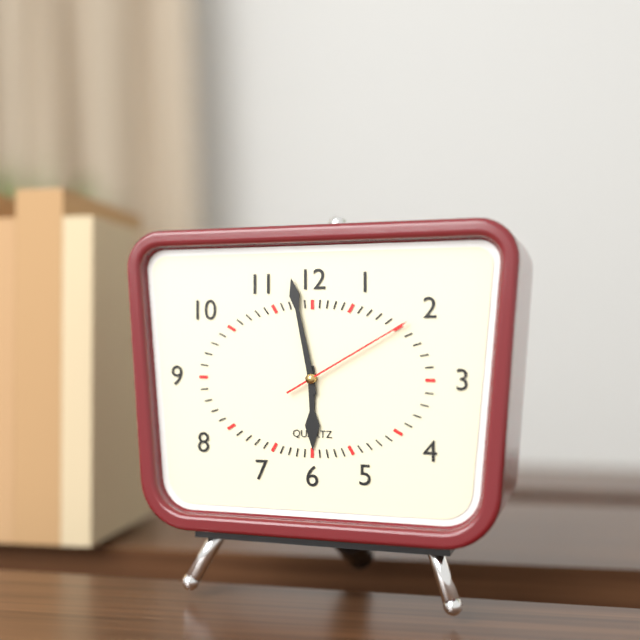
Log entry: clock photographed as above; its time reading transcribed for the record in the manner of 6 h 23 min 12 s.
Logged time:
5 h 58 min 10 s
